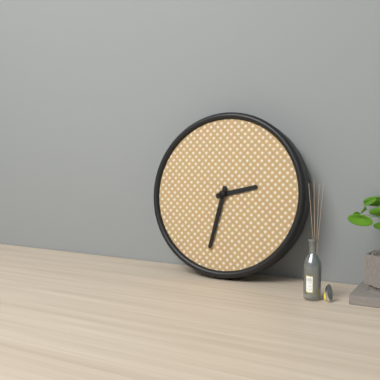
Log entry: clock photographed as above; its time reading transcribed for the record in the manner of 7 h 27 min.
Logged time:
2 h 32 min
